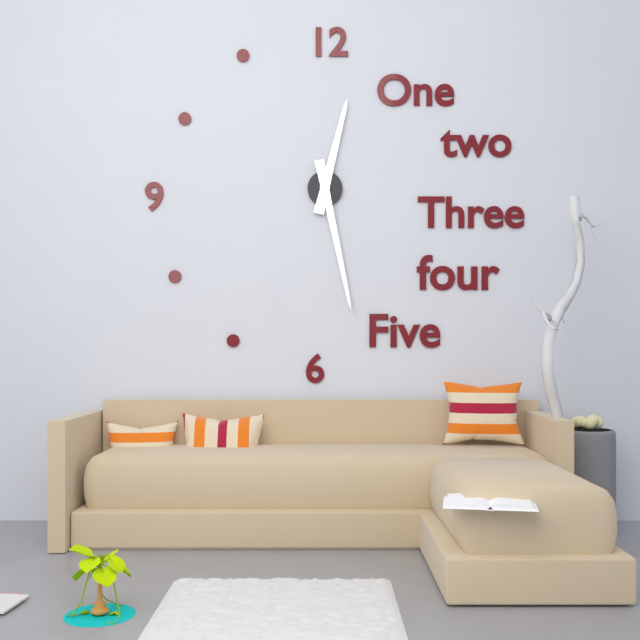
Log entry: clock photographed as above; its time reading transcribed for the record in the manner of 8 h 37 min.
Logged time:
12 h 28 min
